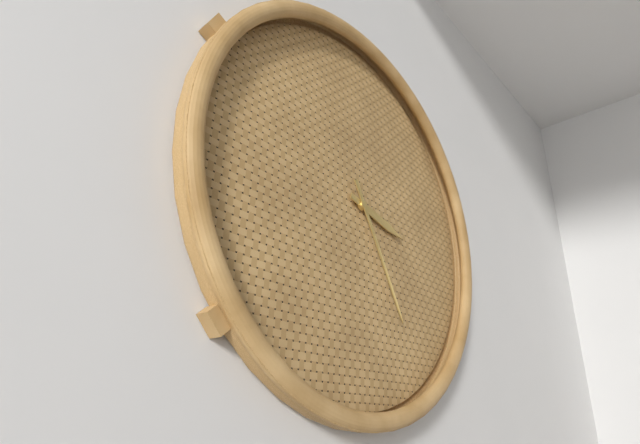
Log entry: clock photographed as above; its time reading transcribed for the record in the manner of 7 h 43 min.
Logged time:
3 h 25 min
